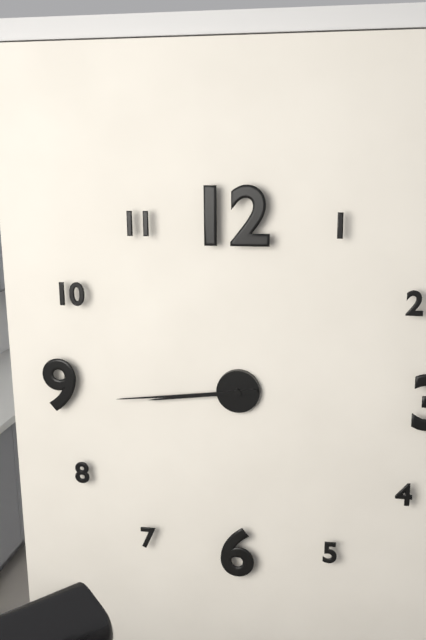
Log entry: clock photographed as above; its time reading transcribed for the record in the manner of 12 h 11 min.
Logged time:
8 h 44 min
